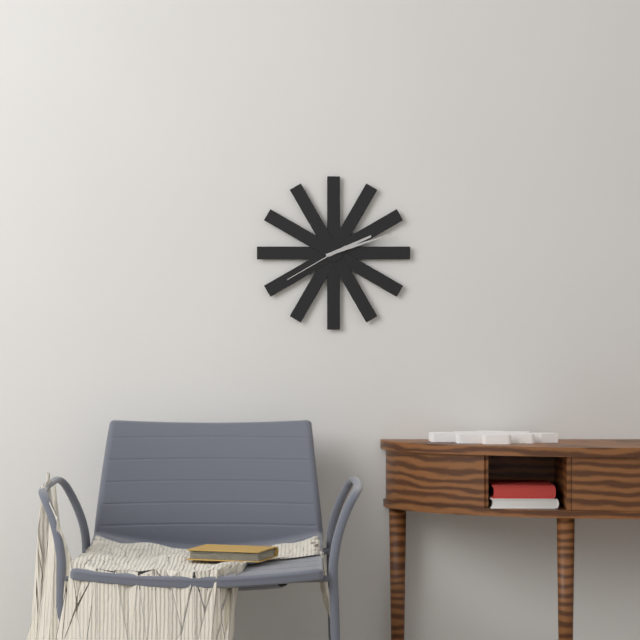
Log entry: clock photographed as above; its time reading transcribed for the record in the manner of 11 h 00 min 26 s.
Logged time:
2 h 12 min 40 s
